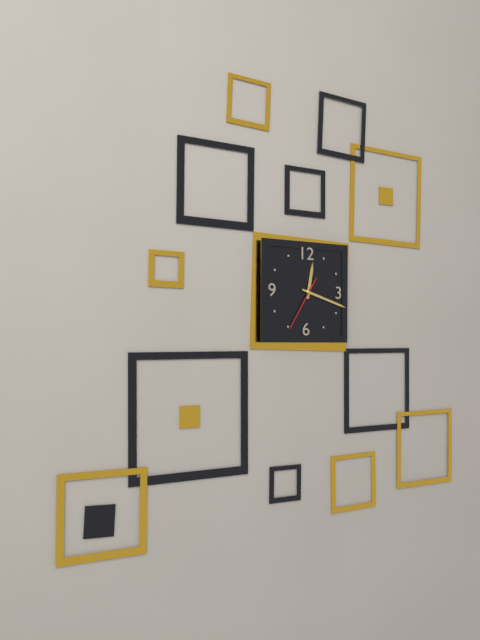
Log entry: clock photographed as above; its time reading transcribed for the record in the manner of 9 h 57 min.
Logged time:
12 h 18 min
